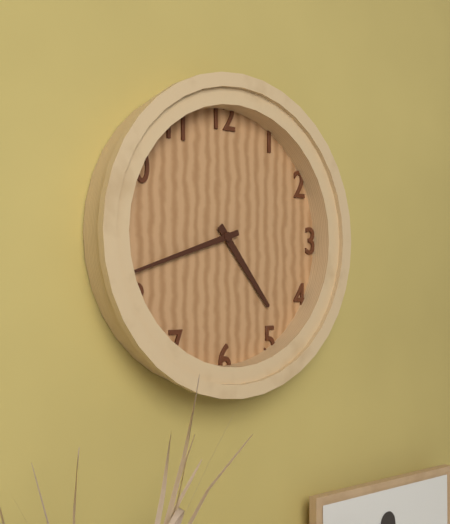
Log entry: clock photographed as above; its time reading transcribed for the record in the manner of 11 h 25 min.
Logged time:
4 h 42 min
